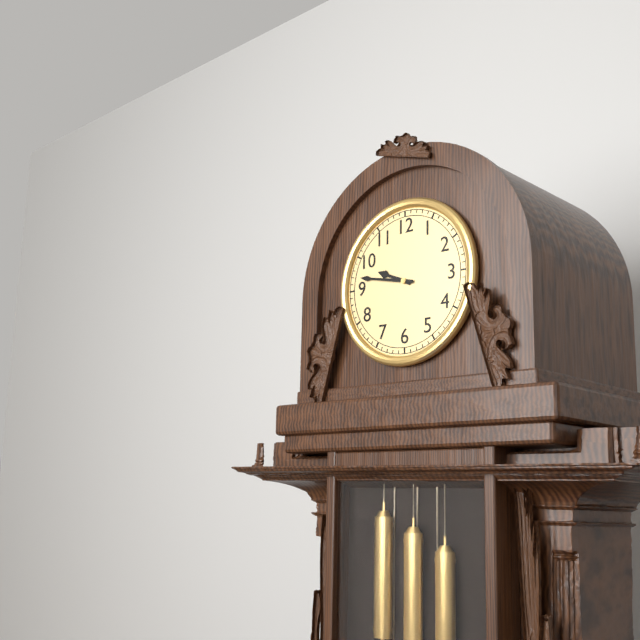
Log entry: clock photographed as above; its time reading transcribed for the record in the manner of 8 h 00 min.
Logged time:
9 h 47 min
